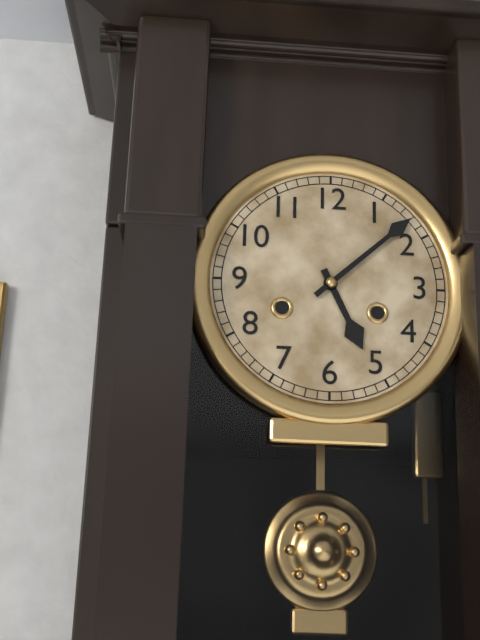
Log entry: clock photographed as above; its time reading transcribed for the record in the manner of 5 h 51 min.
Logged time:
5 h 08 min
